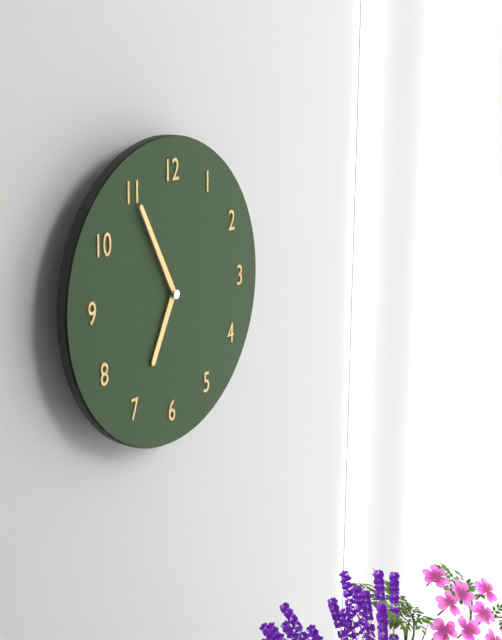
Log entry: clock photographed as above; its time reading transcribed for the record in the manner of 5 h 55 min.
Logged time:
6 h 55 min
